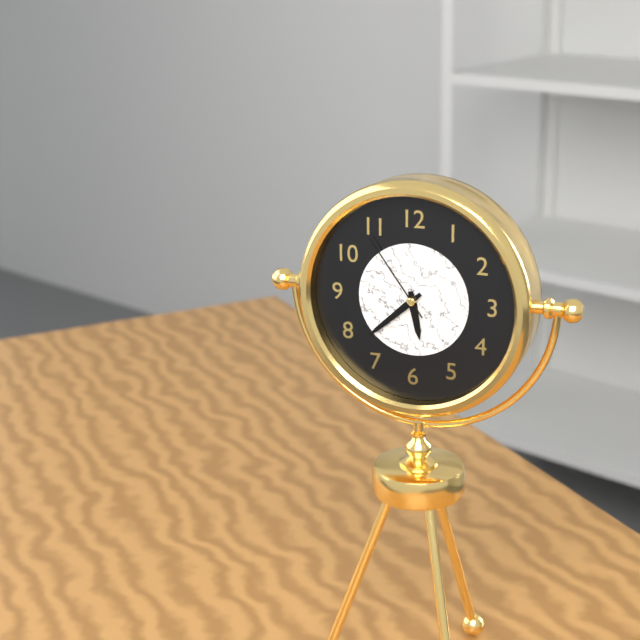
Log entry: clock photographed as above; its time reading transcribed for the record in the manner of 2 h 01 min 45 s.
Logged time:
5 h 38 min 54 s
